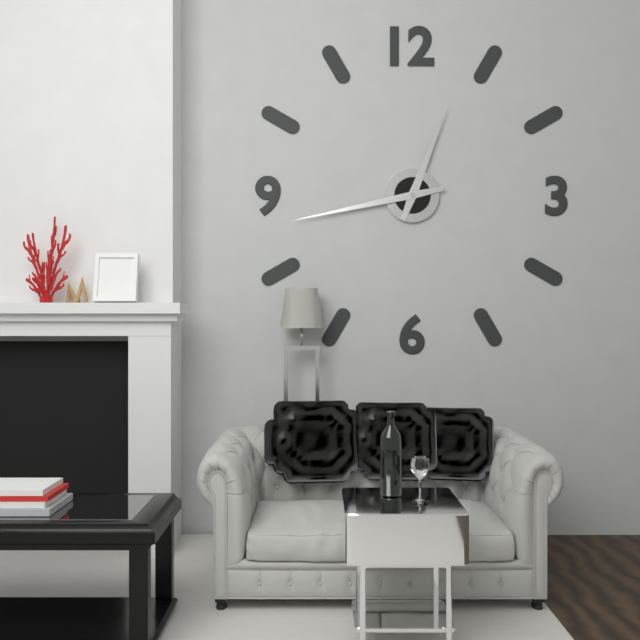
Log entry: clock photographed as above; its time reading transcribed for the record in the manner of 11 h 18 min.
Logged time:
12 h 43 min
